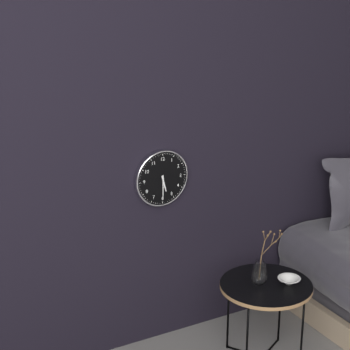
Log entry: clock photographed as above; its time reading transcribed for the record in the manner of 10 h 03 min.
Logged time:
5 h 30 min
